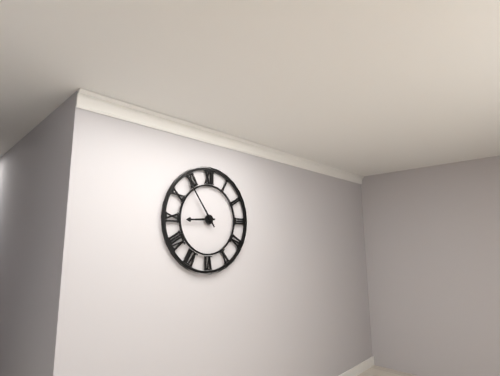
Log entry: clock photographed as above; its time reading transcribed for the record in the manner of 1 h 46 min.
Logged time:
8 h 54 min
